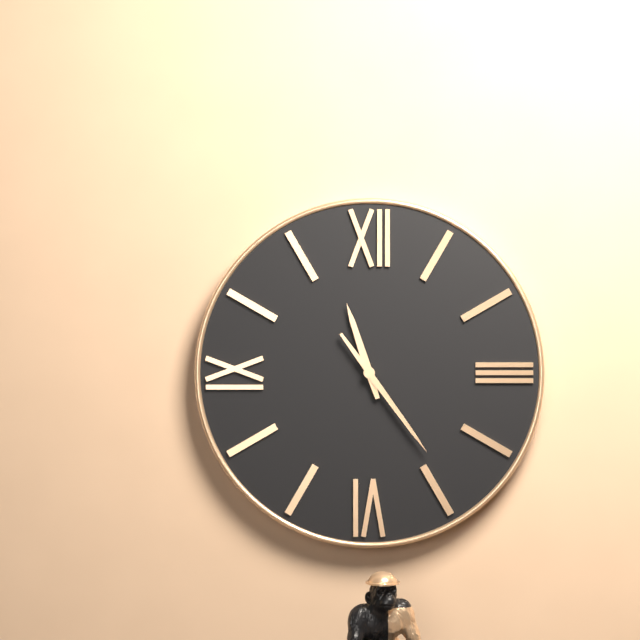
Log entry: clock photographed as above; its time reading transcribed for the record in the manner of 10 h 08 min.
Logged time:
11 h 24 min
